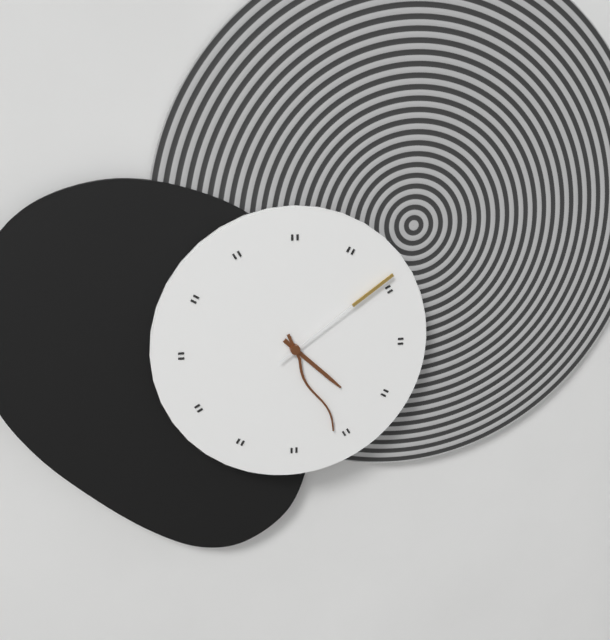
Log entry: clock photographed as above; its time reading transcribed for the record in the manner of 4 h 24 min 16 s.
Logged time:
4 h 26 min 09 s
